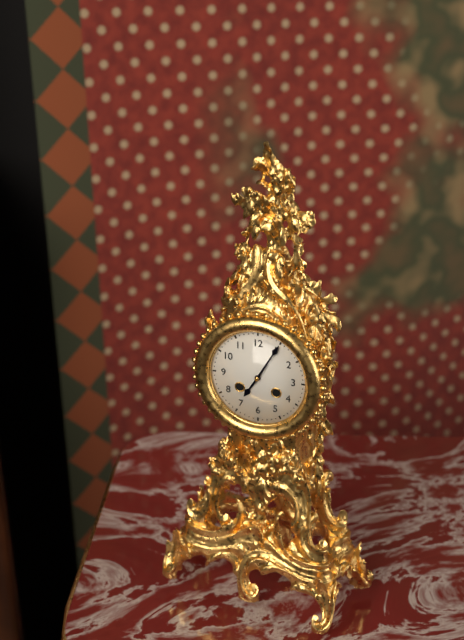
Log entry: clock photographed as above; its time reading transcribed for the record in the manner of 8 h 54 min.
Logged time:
7 h 05 min
